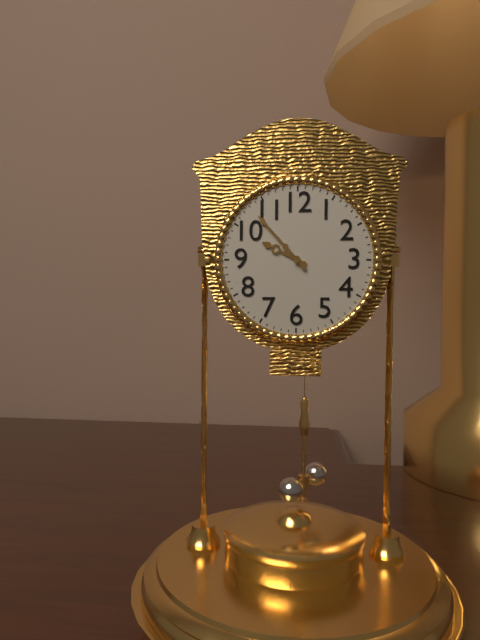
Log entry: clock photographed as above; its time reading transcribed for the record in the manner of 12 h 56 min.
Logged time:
9 h 53 min
